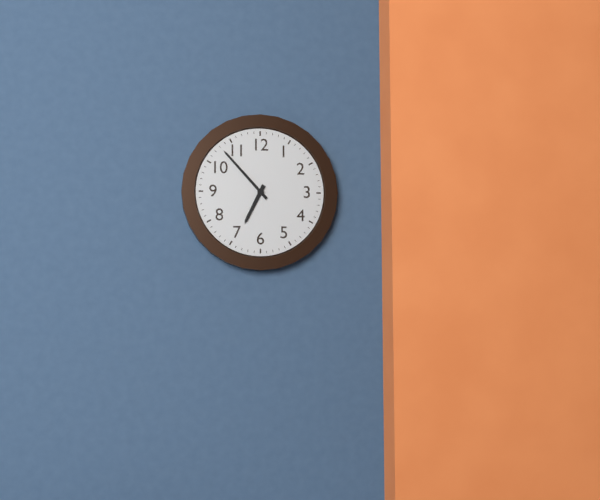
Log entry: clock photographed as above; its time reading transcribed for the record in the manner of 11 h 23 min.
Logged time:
6 h 53 min
